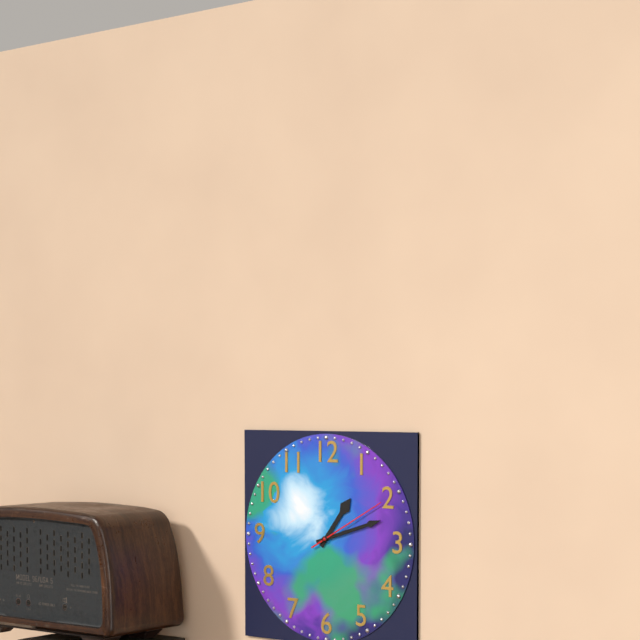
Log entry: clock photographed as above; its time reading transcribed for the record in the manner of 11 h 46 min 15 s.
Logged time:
1 h 12 min 10 s
